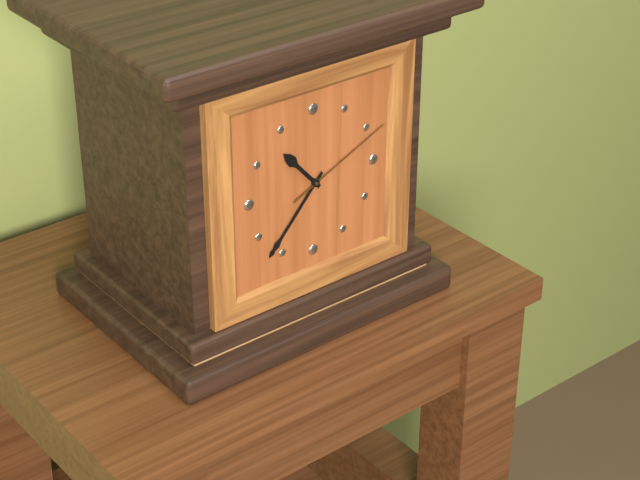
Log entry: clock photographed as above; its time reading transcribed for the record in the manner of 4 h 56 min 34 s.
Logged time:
10 h 37 min 11 s
